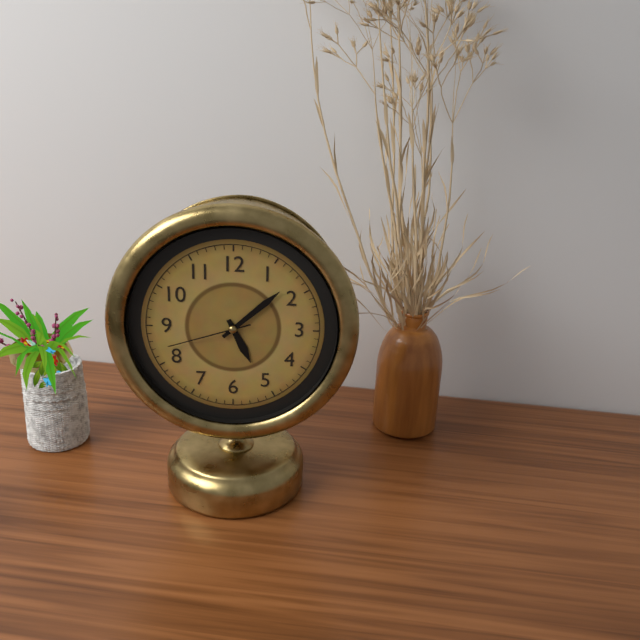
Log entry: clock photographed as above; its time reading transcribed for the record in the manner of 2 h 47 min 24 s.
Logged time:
5 h 08 min 42 s
